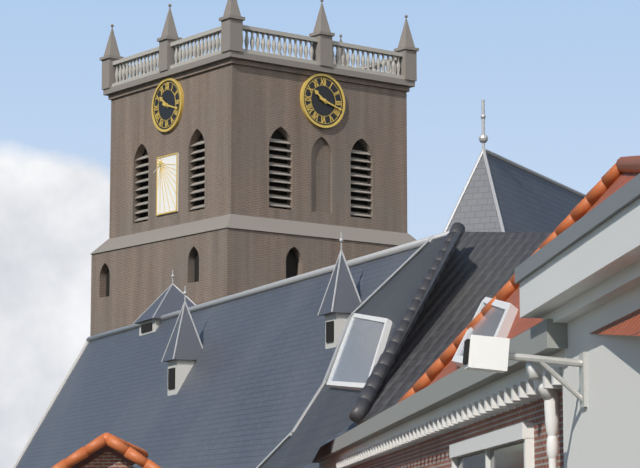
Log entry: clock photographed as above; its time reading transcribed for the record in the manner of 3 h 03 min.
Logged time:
10 h 18 min
